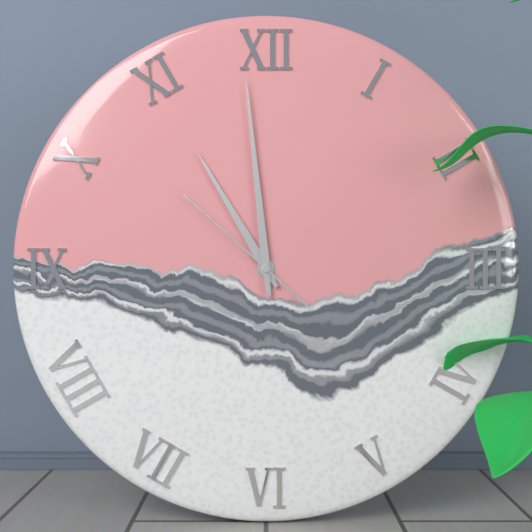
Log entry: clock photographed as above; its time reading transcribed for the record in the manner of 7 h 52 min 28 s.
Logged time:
10 h 59 min 52 s
